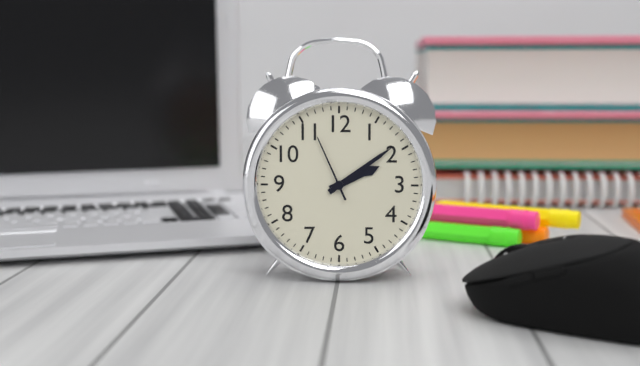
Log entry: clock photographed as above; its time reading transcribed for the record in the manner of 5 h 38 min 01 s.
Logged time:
2 h 09 min 56 s
